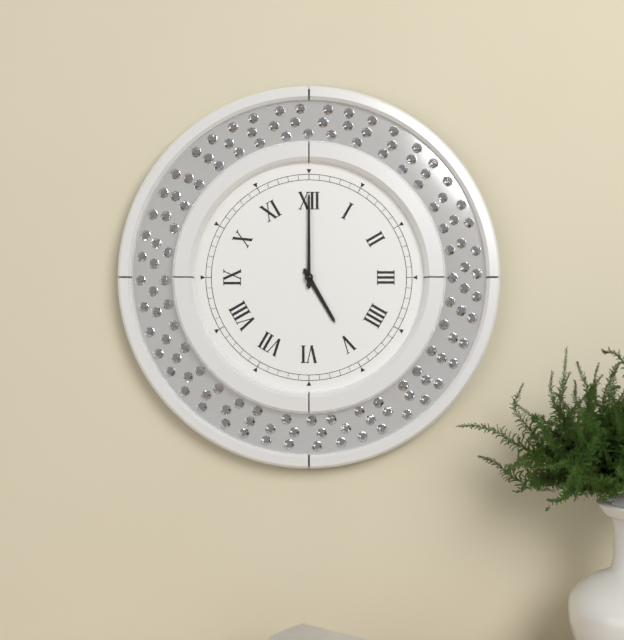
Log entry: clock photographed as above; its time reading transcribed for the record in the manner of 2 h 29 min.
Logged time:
5 h 00 min
